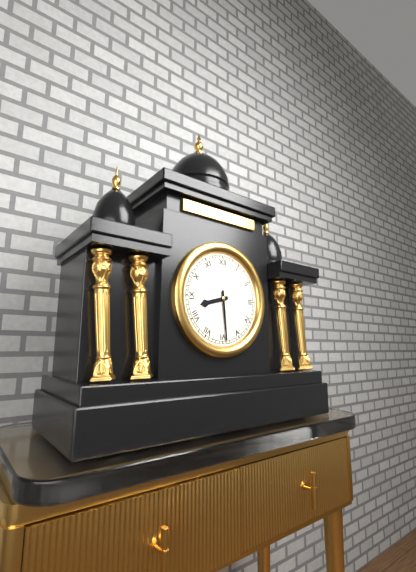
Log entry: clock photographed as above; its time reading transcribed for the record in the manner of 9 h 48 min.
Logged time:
8 h 29 min
